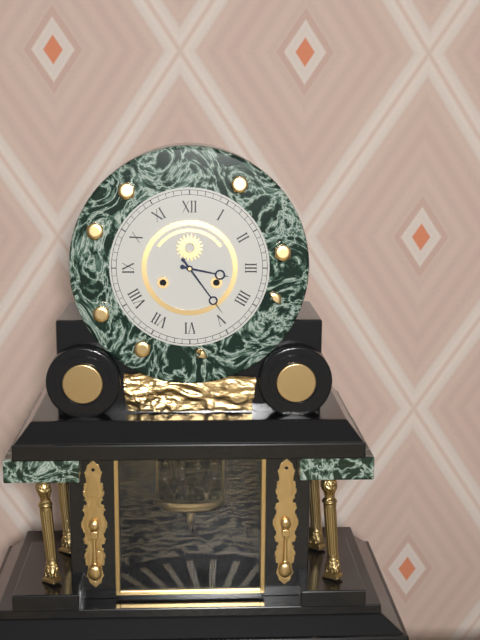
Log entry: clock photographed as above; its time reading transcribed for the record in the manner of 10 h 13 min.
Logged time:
3 h 24 min
